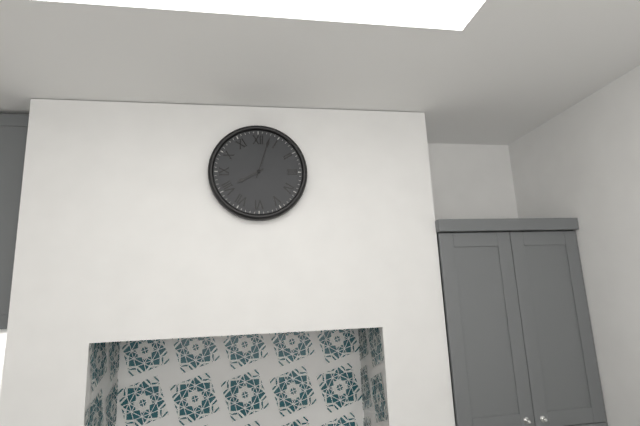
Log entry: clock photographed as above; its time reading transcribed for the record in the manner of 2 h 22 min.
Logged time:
8 h 03 min
